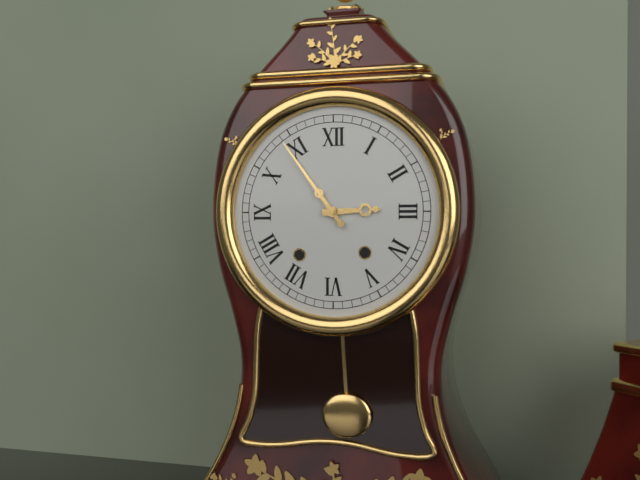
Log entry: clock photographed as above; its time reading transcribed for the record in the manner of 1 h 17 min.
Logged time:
2 h 54 min
